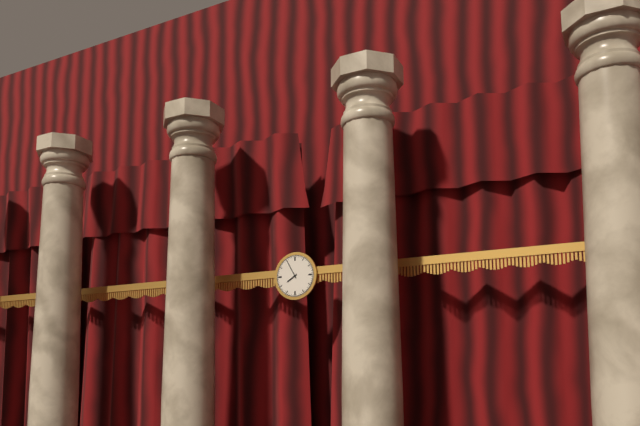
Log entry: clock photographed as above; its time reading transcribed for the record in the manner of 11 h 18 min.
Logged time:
7 h 55 min
